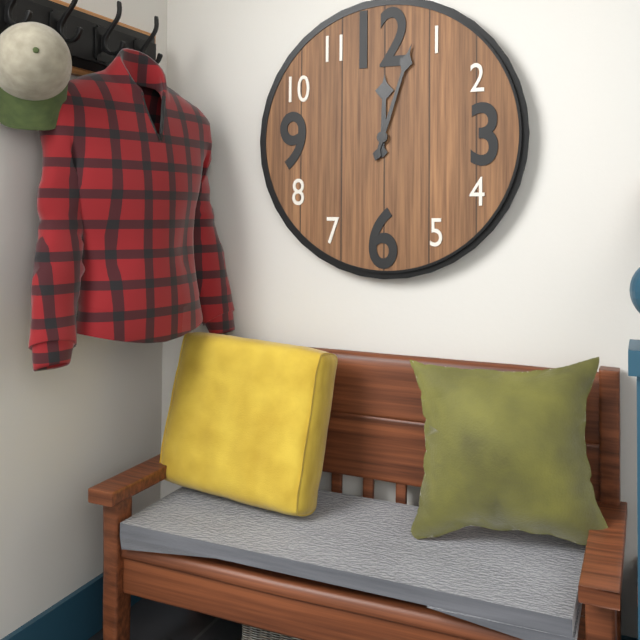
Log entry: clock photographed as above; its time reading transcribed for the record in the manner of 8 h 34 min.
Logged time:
12 h 03 min
